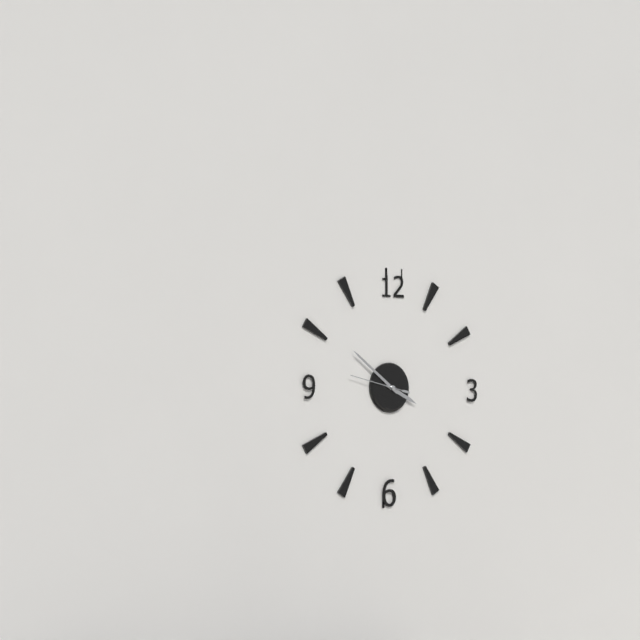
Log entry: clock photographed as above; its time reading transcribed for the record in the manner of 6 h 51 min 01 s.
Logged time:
3 h 51 min 47 s
